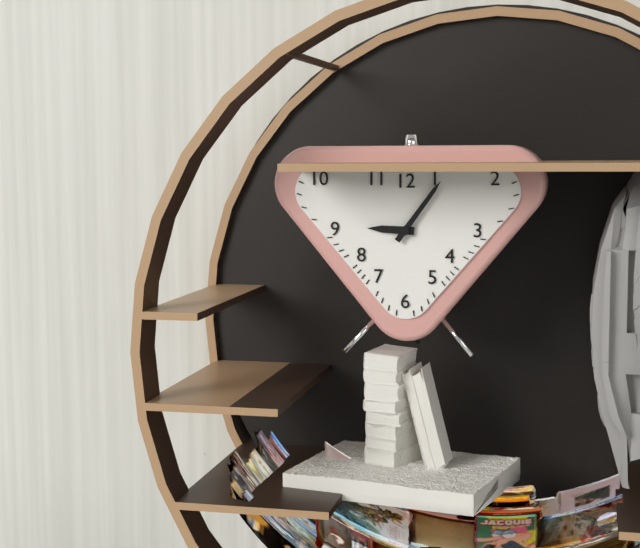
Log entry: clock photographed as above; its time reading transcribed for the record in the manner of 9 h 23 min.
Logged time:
9 h 06 min
